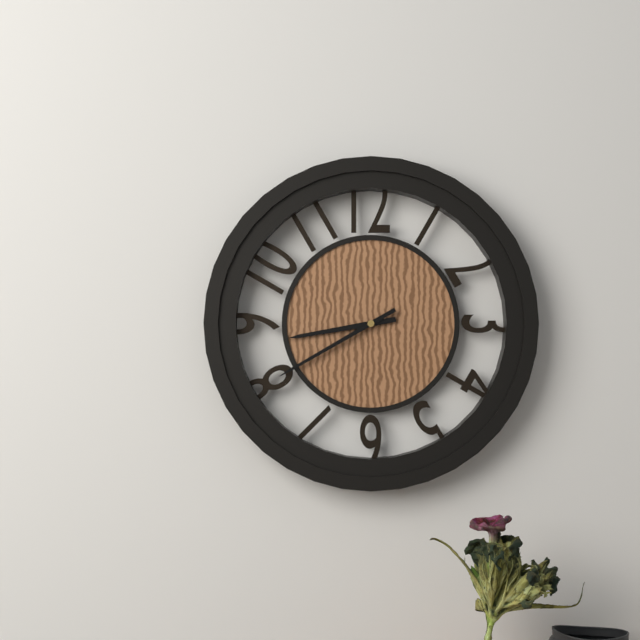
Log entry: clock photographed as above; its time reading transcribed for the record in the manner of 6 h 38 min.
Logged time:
8 h 40 min
